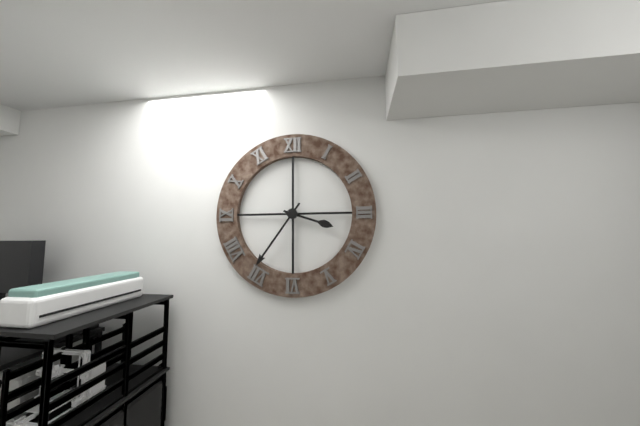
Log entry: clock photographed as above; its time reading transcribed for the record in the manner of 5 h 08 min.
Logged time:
3 h 36 min
